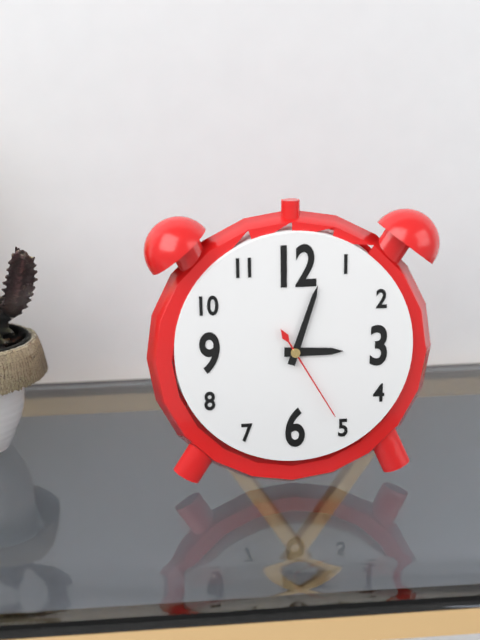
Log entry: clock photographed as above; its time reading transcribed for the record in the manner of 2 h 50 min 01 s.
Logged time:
3 h 03 min 25 s
